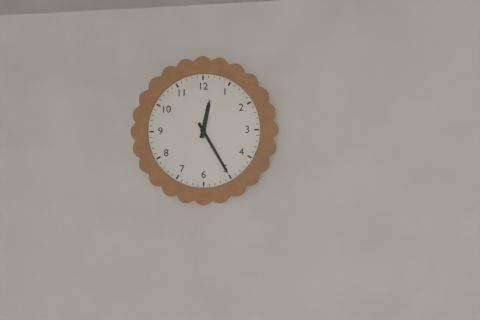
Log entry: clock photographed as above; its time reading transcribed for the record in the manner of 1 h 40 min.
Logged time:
12 h 25 min
